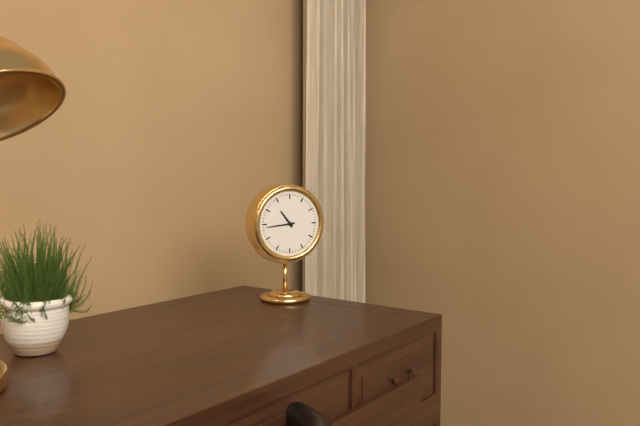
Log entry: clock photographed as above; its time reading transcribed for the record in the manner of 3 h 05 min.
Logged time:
10 h 44 min
